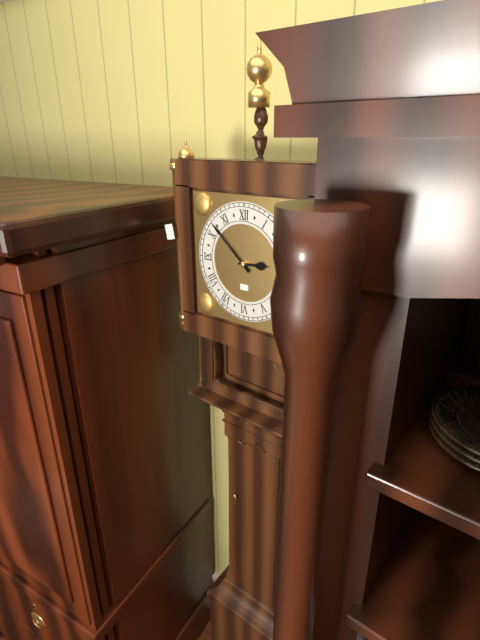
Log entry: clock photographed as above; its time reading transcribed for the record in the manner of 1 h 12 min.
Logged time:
2 h 52 min
